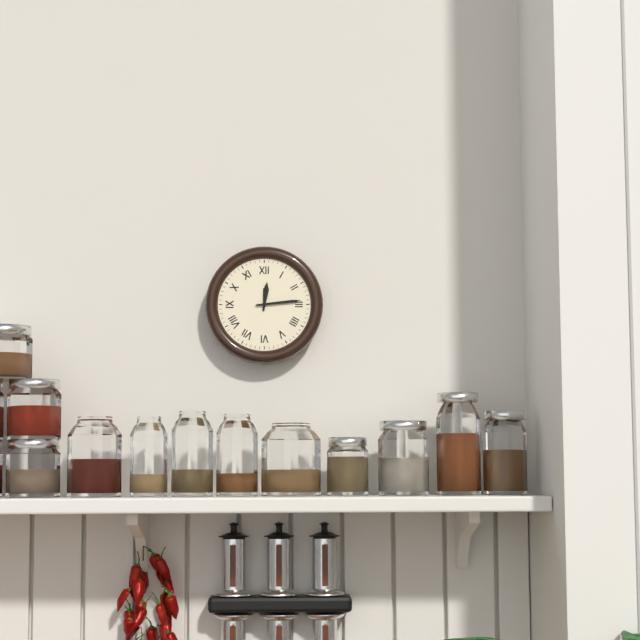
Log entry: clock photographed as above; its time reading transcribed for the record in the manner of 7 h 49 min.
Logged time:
12 h 14 min
